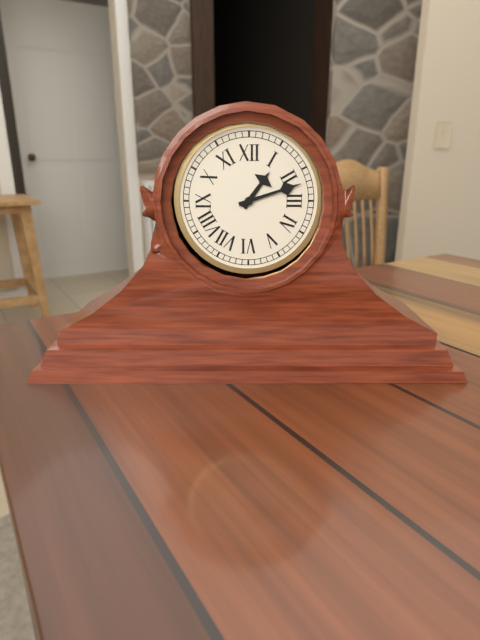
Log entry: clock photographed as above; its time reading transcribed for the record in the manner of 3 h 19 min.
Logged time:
1 h 12 min
